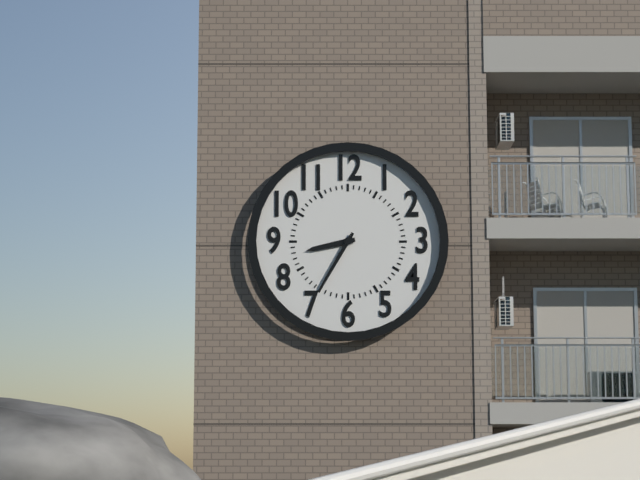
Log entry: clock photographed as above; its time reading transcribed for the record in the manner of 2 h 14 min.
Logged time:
8 h 35 min
